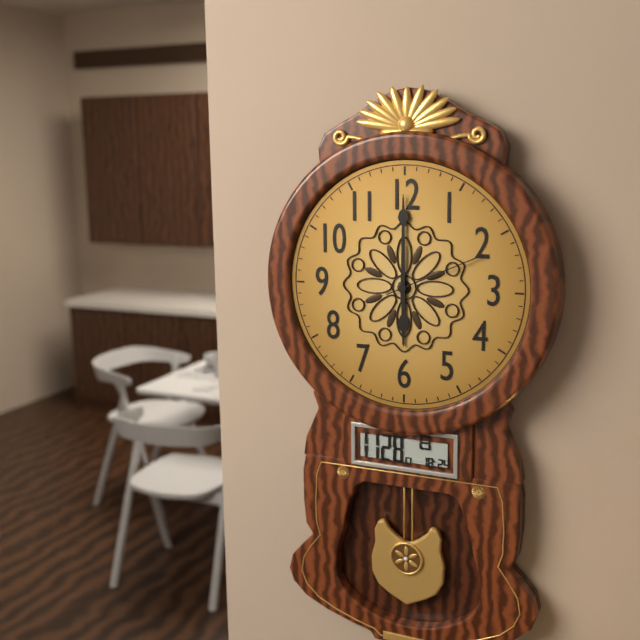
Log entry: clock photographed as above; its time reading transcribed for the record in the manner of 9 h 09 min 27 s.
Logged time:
6 h 00 min 11 s
